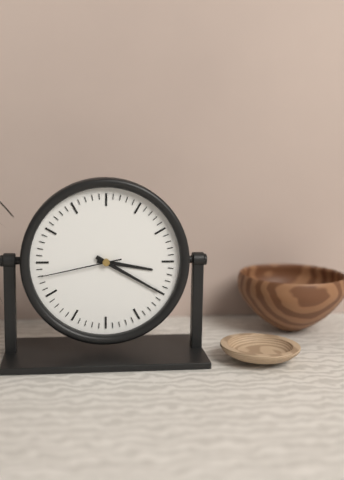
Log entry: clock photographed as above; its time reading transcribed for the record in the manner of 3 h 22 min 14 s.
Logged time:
3 h 20 min 43 s
